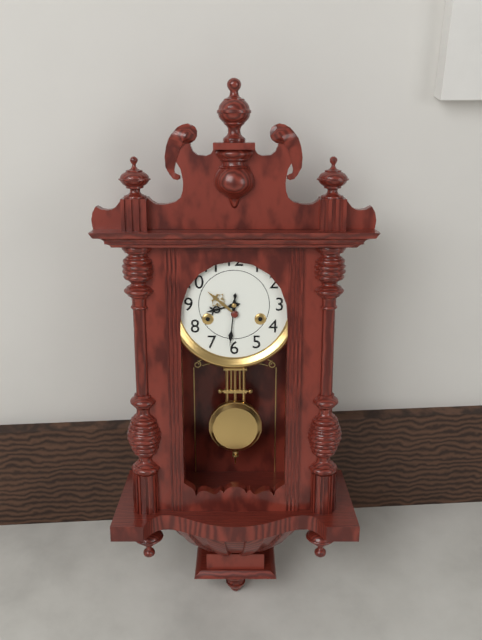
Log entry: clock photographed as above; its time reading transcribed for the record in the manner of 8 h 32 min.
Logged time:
8 h 31 min
